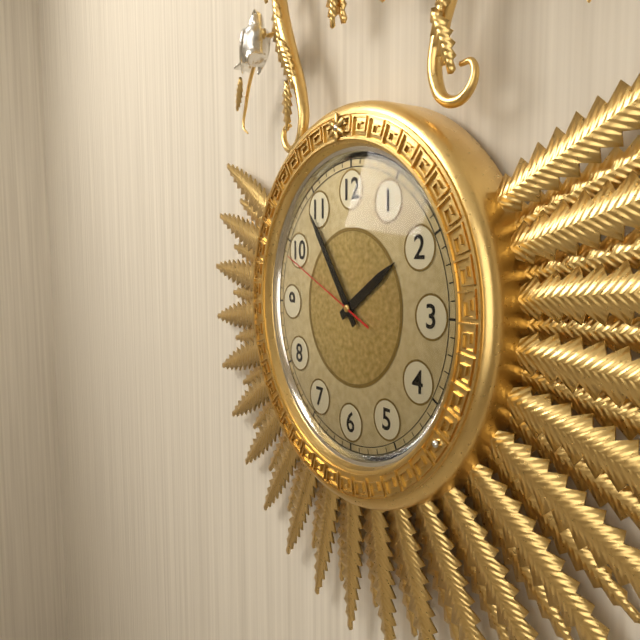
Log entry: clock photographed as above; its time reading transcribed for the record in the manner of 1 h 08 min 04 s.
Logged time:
1 h 54 min 49 s
